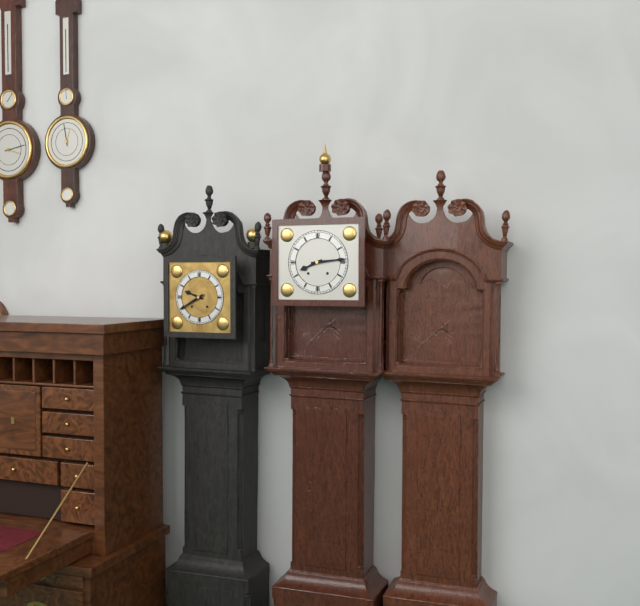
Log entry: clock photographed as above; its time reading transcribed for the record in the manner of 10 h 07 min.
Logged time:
8 h 14 min
